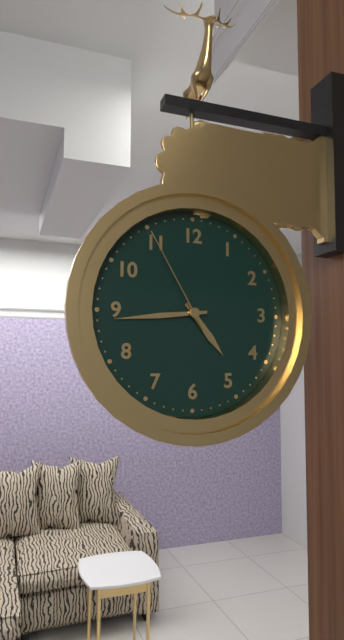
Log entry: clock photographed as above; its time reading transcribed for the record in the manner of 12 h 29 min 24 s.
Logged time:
4 h 44 min 55 s
